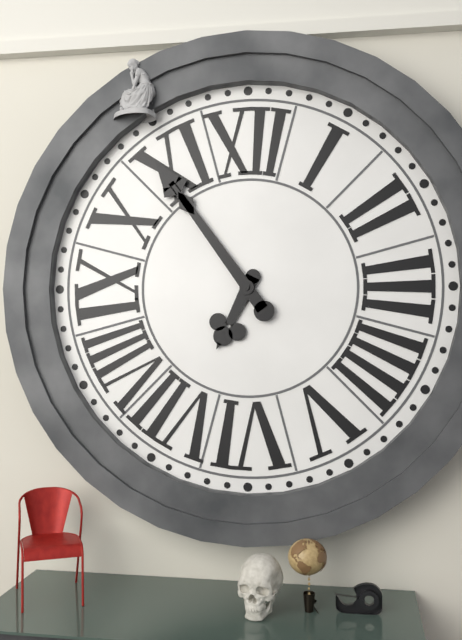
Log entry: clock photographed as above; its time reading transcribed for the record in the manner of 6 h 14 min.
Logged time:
6 h 54 min
